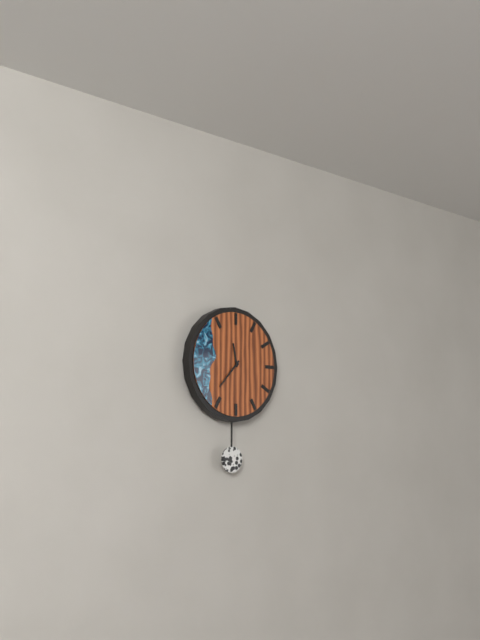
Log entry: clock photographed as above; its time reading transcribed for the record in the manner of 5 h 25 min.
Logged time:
11 h 37 min
